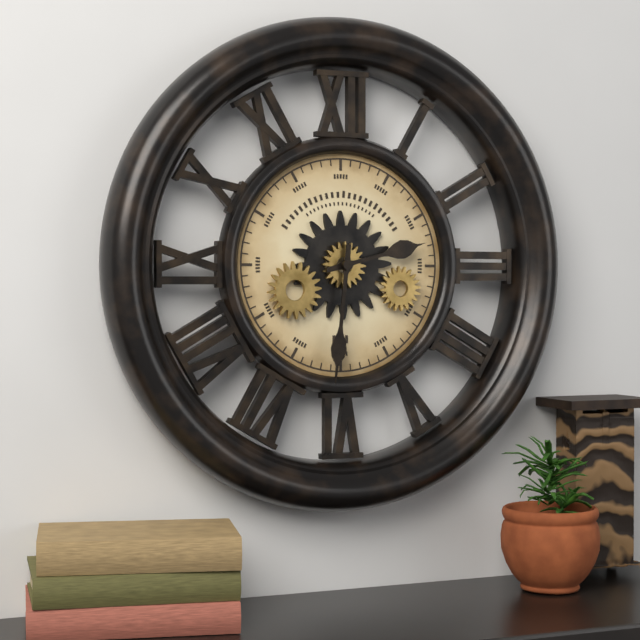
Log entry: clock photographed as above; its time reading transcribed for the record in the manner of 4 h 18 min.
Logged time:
2 h 31 min
